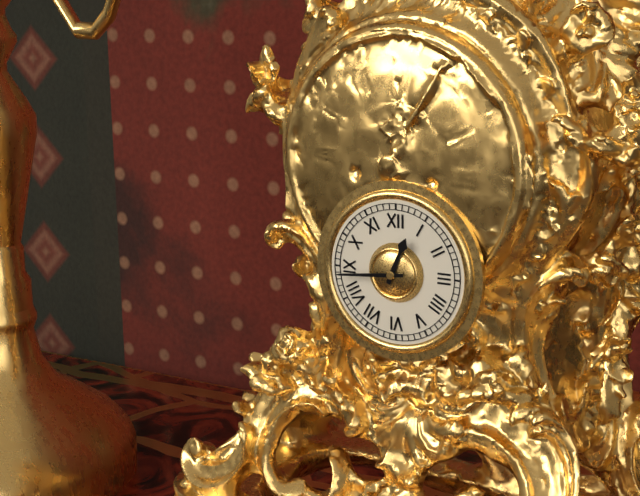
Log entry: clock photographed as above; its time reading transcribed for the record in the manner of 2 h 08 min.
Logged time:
12 h 44 min
